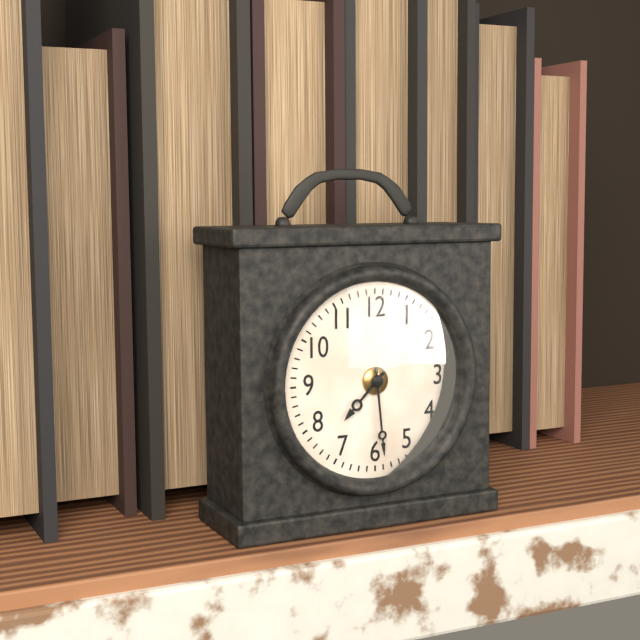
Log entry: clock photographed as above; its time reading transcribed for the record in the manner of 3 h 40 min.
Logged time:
7 h 29 min
